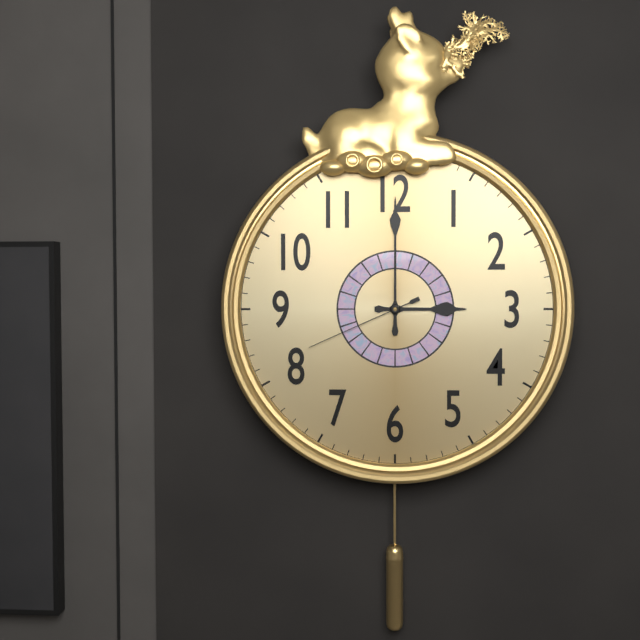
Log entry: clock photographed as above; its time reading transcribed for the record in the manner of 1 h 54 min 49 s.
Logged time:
3 h 00 min 41 s
